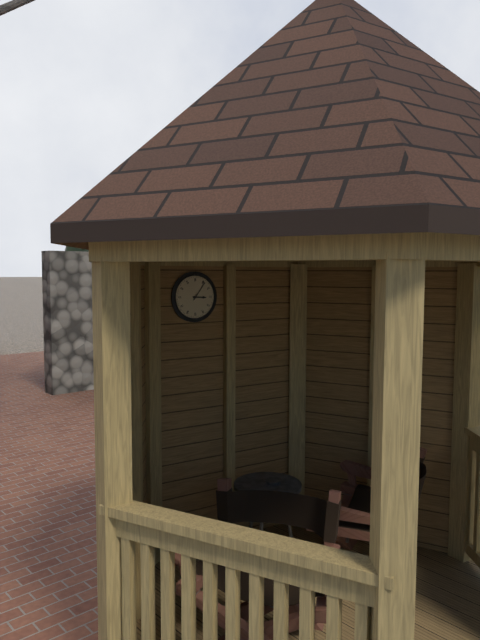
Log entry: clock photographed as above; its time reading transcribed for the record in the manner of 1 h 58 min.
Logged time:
3 h 06 min
